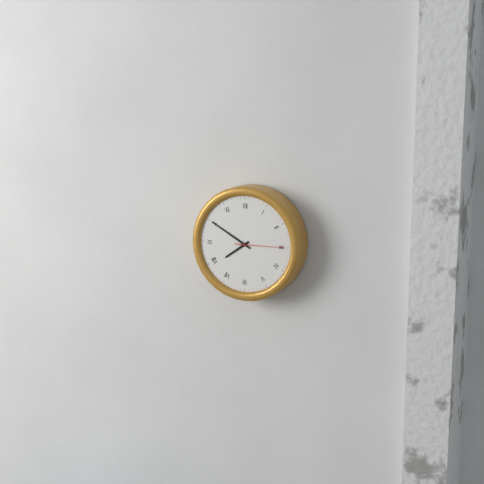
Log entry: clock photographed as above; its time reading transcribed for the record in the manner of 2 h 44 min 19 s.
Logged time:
7 h 50 min 15 s
